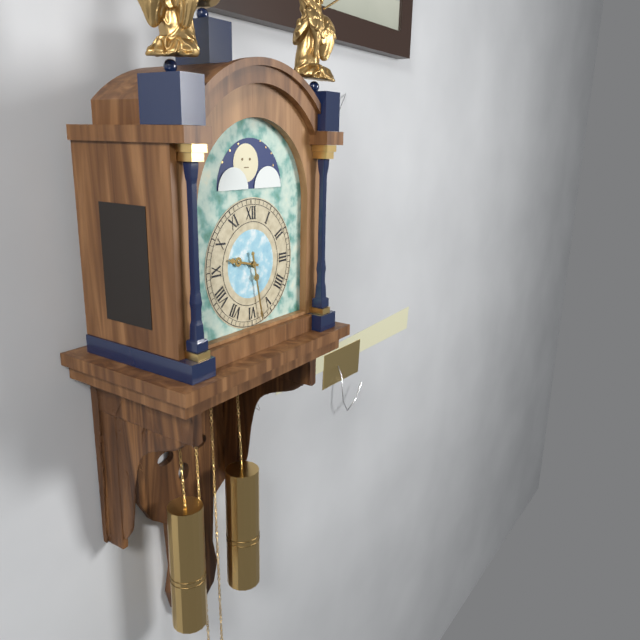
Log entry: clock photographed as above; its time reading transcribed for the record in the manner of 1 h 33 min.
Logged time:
9 h 28 min
